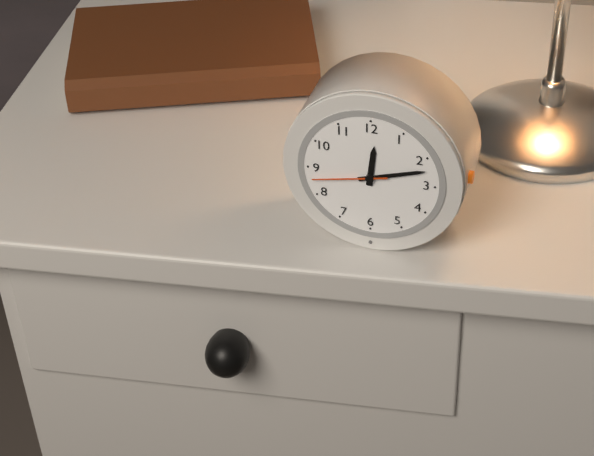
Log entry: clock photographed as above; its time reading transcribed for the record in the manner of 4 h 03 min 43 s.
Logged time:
12 h 12 min 43 s
